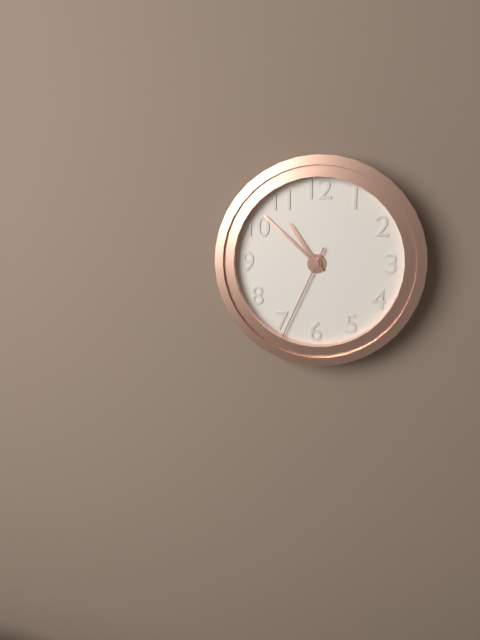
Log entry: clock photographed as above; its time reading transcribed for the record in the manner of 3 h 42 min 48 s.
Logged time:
10 h 52 min 34 s
